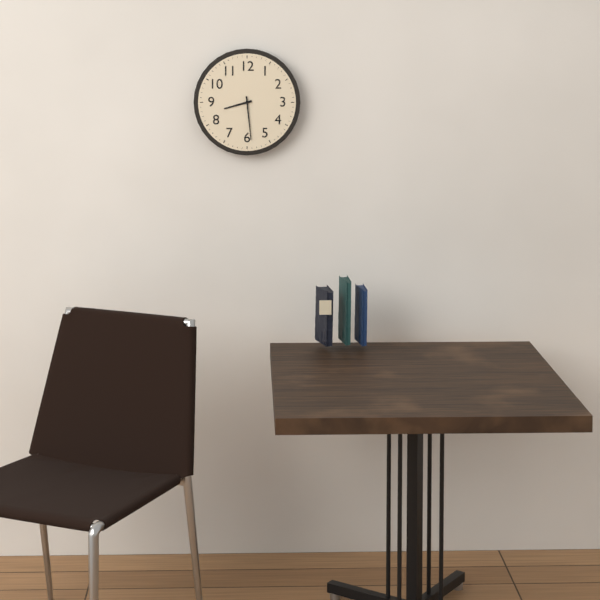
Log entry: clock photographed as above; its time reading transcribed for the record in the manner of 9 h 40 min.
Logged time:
8 h 29 min
